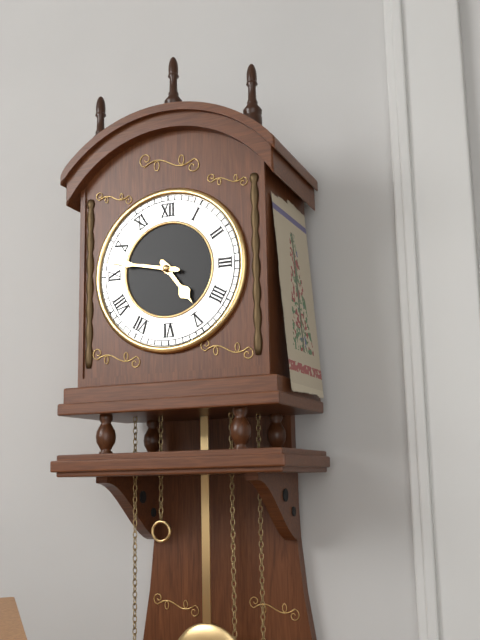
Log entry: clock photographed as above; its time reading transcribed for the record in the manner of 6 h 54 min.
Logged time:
4 h 47 min
